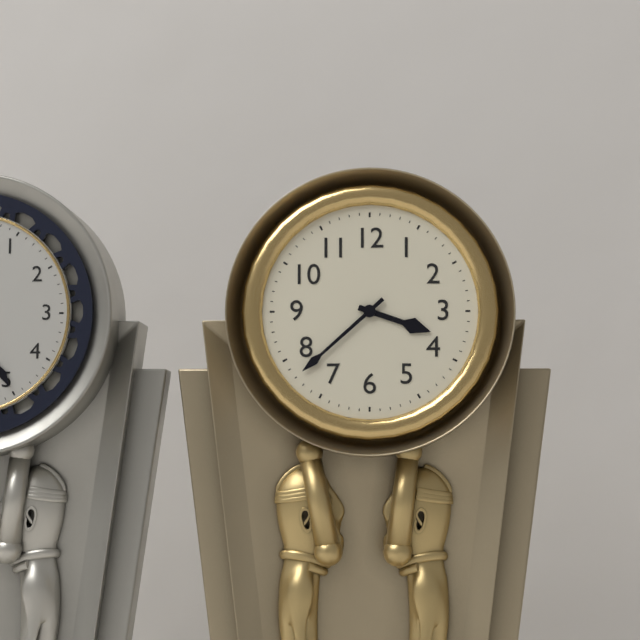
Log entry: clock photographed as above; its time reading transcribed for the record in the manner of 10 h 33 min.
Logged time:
3 h 38 min
